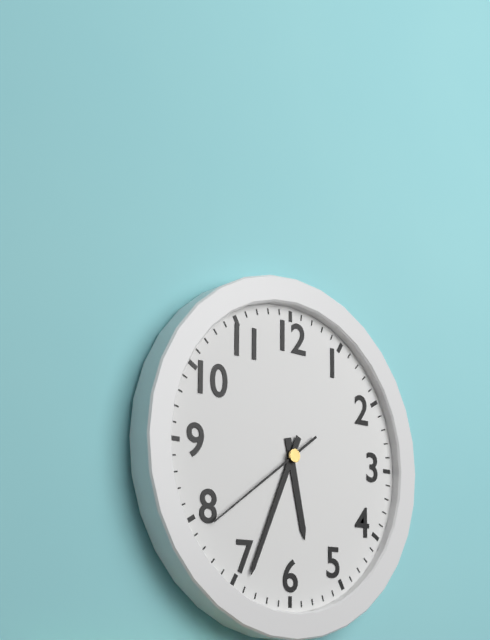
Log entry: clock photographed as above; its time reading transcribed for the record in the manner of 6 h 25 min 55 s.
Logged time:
5 h 34 min 39 s
